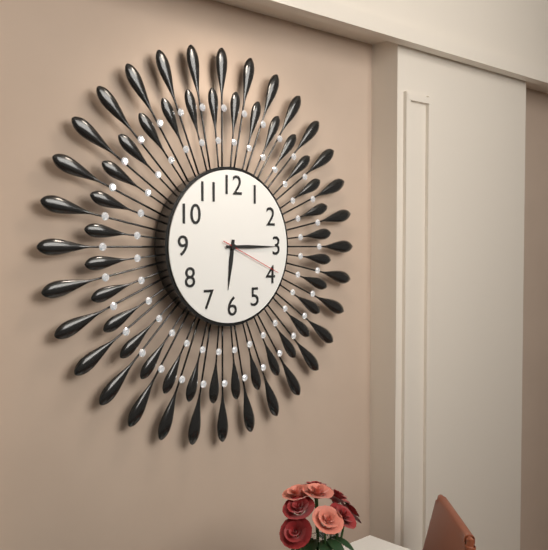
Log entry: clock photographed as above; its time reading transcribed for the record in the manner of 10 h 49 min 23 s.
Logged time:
6 h 15 min 19 s
